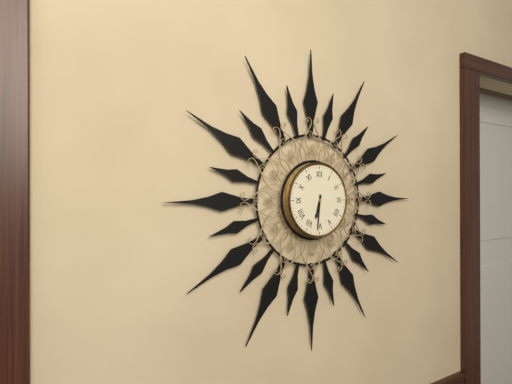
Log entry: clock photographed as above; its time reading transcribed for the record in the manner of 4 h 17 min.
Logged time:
6 h 31 min
